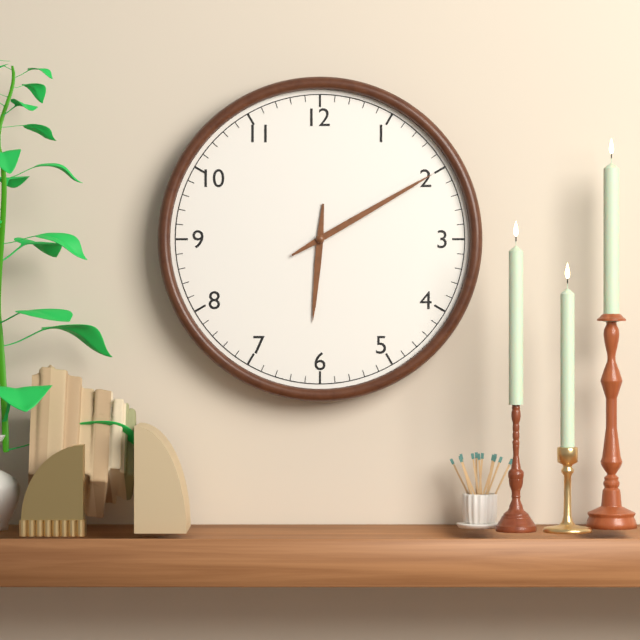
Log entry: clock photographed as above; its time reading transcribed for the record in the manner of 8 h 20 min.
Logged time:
6 h 10 min
